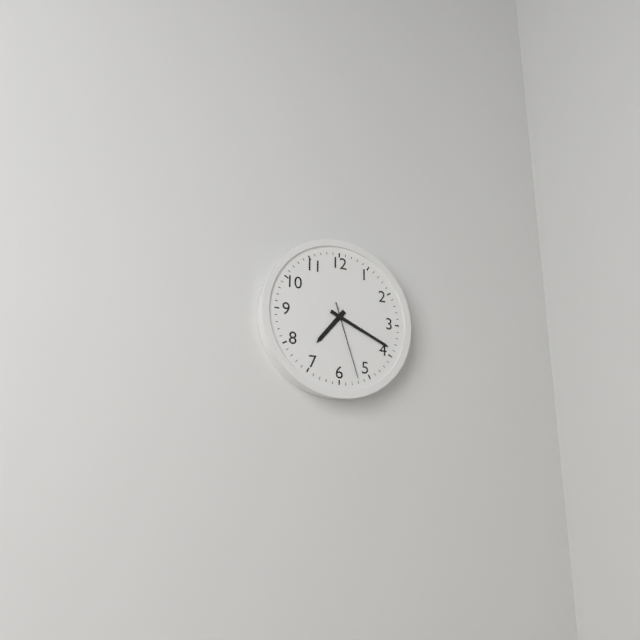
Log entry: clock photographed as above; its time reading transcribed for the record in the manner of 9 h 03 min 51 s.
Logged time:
7 h 19 min 27 s
